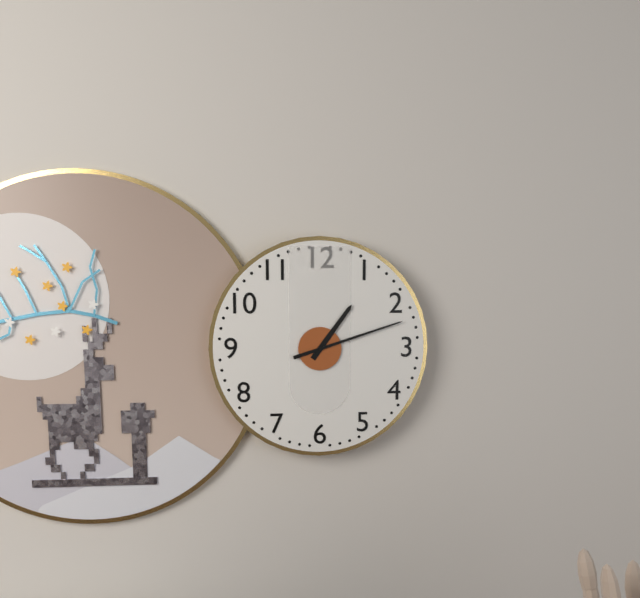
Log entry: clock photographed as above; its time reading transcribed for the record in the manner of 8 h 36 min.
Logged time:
1 h 12 min
